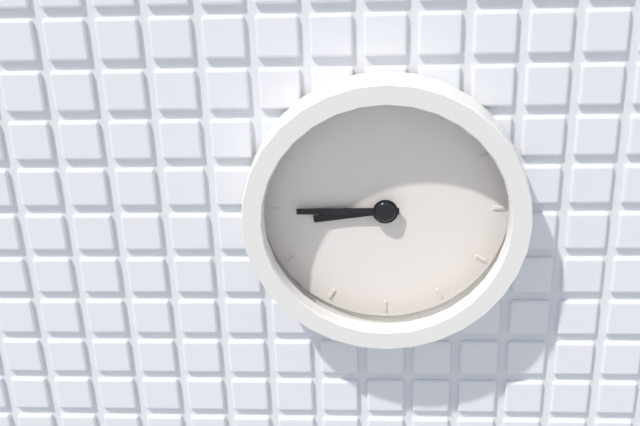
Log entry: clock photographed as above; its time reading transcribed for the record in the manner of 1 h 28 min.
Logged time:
8 h 45 min
